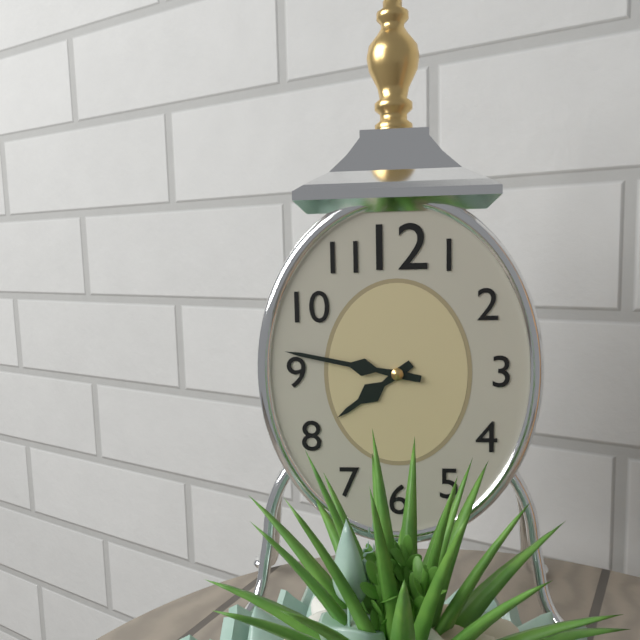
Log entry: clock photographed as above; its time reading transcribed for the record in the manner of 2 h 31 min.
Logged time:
7 h 47 min
